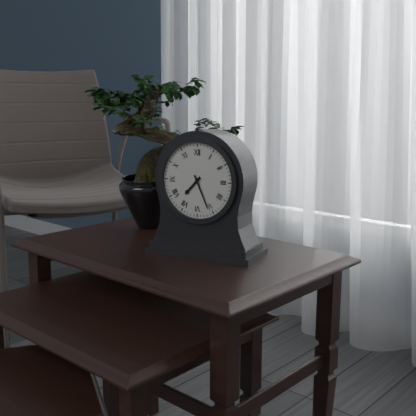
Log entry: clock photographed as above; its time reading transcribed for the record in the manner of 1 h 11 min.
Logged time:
7 h 26 min
